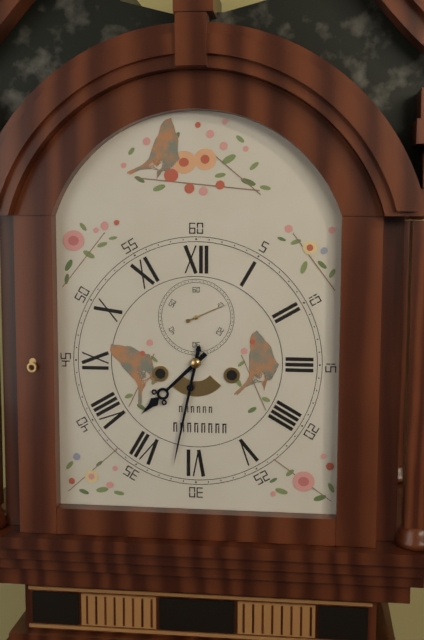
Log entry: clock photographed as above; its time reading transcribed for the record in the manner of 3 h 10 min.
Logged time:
7 h 32 min
